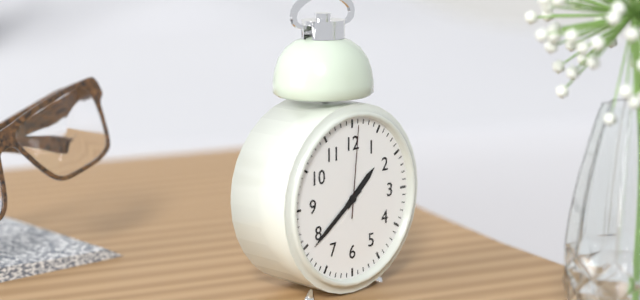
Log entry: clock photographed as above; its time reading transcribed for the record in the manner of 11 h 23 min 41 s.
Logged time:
1 h 39 min 01 s
